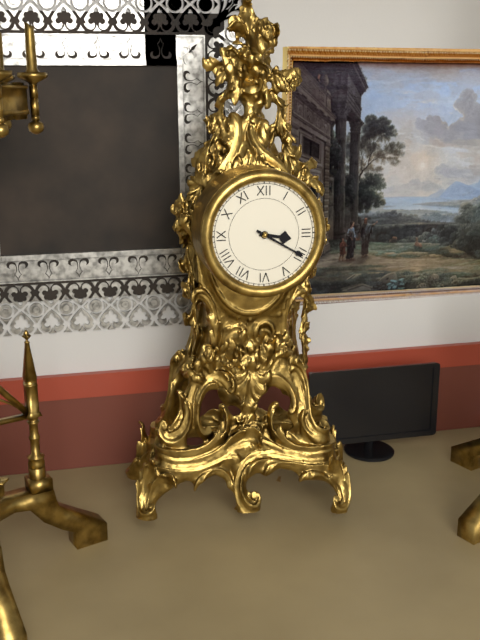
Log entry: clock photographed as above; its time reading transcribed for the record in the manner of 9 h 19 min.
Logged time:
3 h 20 min
